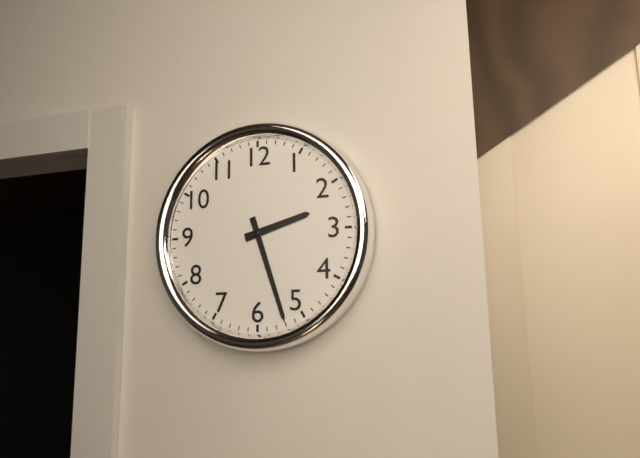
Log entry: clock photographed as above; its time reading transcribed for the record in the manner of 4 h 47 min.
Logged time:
2 h 27 min
